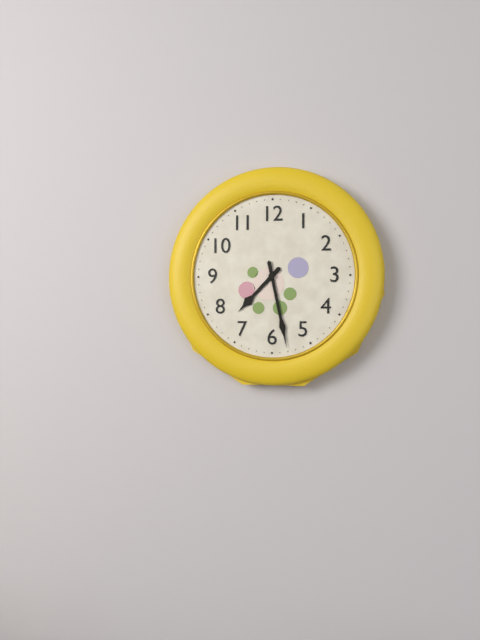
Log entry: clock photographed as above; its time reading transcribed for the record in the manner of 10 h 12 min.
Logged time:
7 h 28 min
